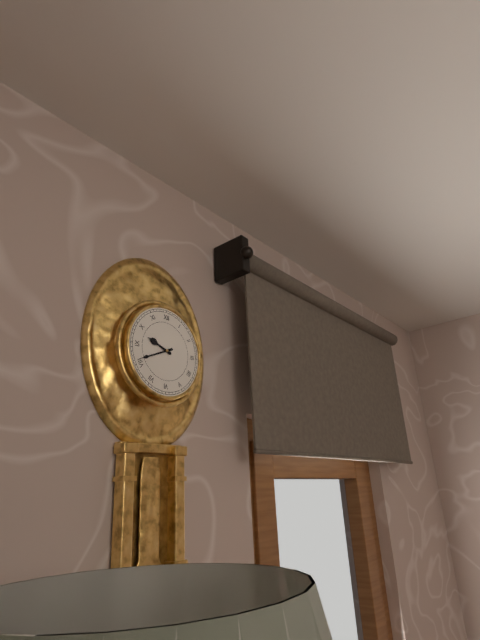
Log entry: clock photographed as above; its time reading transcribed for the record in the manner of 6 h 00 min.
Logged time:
9 h 41 min
